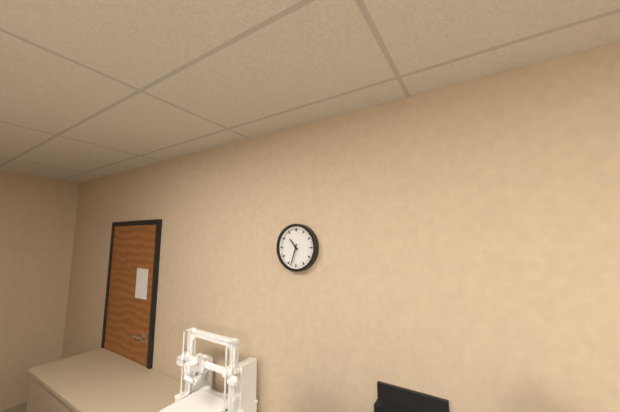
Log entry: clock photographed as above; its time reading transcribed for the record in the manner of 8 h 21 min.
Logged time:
10 h 33 min
